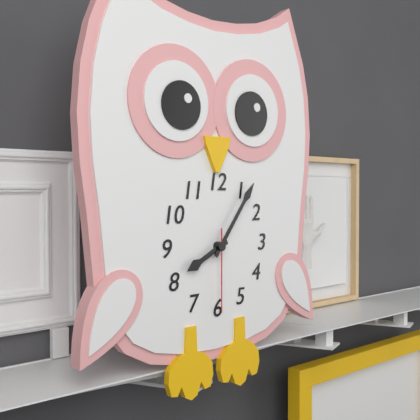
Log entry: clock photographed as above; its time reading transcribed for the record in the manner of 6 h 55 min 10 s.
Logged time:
8 h 06 min 30 s
